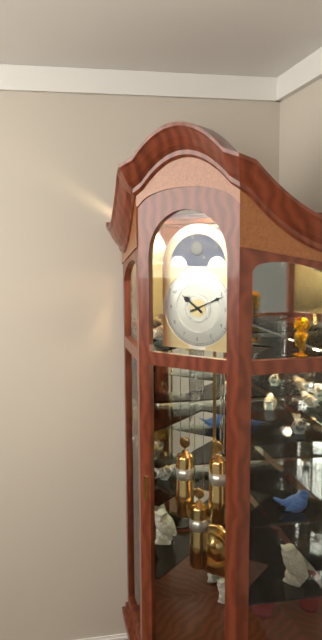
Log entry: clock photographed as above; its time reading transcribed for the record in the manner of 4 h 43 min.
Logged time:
10 h 11 min
